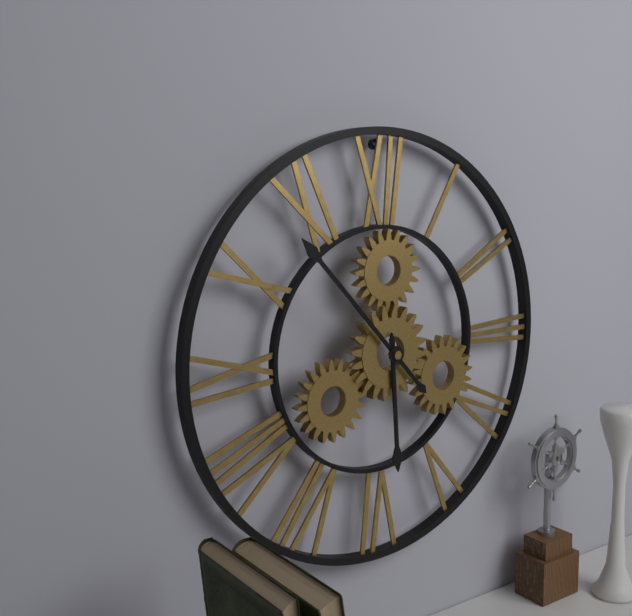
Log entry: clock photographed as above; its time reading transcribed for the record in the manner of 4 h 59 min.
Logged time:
5 h 53 min
